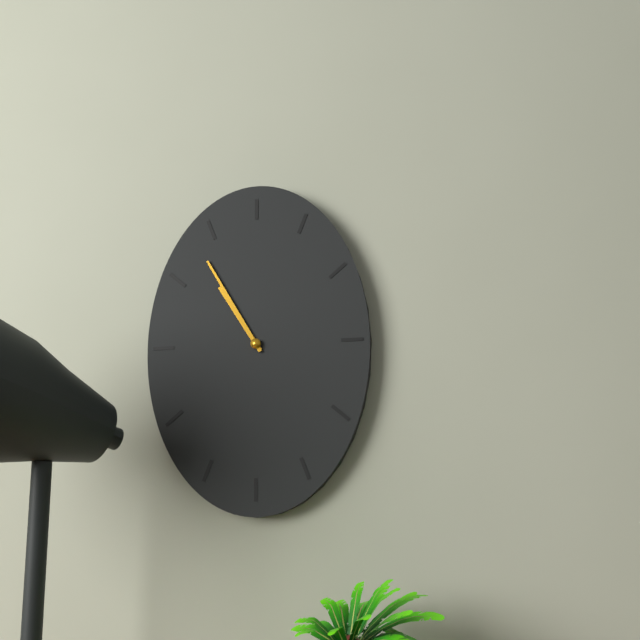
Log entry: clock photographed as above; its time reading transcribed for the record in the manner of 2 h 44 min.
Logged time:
10 h 55 min
